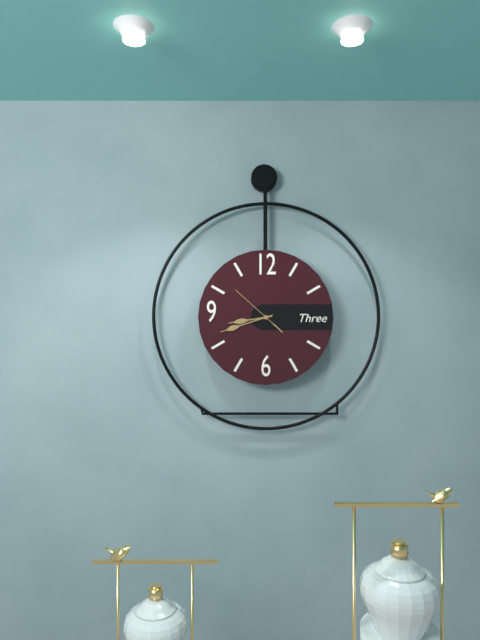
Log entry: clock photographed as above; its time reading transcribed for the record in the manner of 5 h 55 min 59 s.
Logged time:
8 h 42 min 52 s
